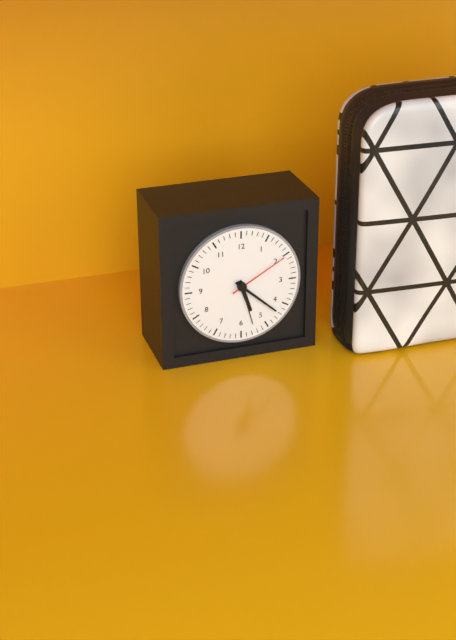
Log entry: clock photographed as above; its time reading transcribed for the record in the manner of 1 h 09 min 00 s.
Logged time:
5 h 22 min 10 s
